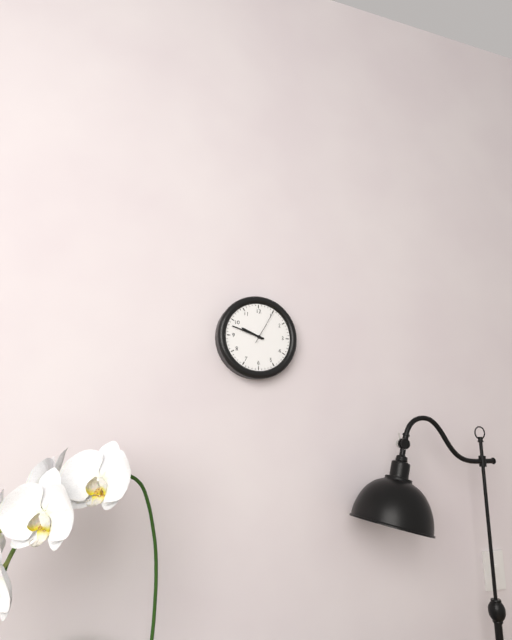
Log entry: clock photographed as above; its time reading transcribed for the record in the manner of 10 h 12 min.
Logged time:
9 h 48 min
